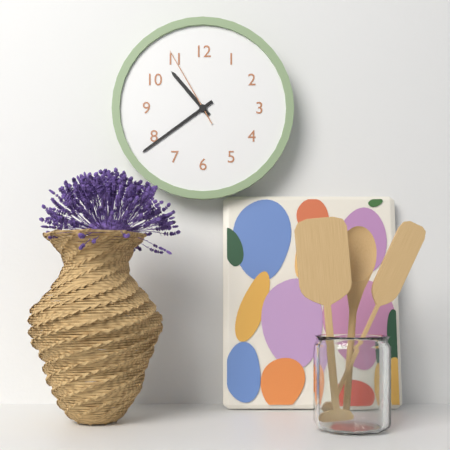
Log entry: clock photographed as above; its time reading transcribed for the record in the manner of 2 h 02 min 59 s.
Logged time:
10 h 39 min 55 s
